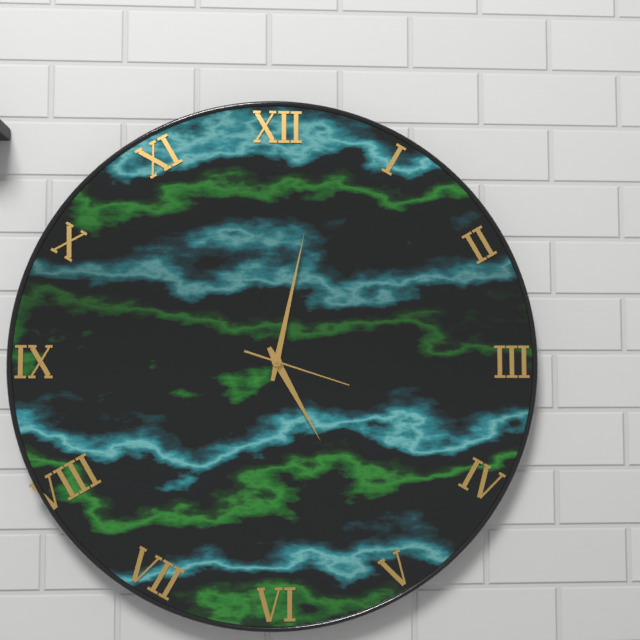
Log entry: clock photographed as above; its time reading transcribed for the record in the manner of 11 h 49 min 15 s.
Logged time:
5 h 02 min 18 s
